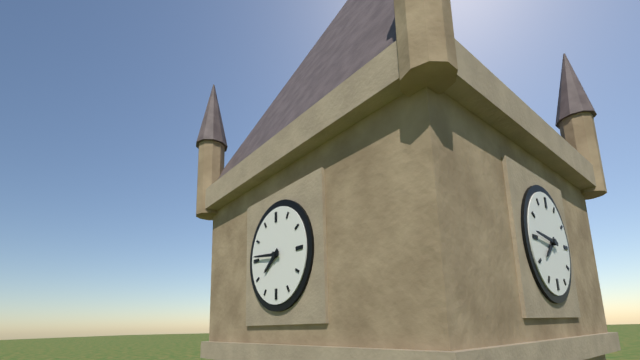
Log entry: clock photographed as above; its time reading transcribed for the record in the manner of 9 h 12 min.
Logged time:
7 h 46 min
